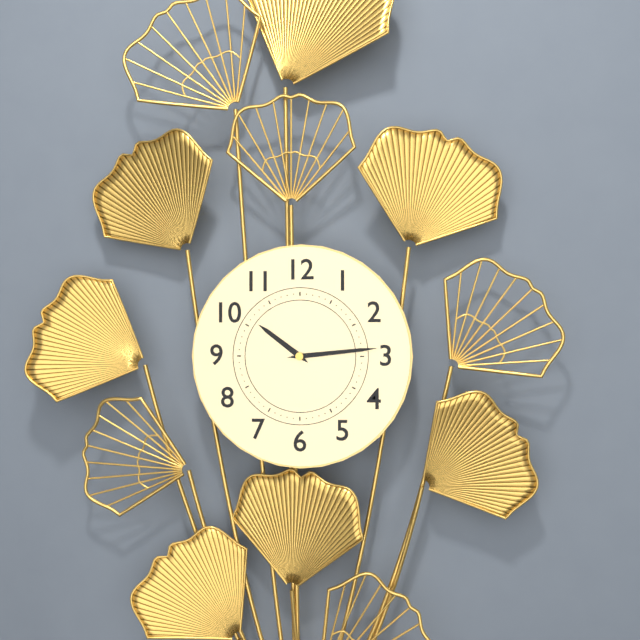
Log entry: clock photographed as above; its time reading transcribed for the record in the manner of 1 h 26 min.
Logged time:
10 h 14 min
